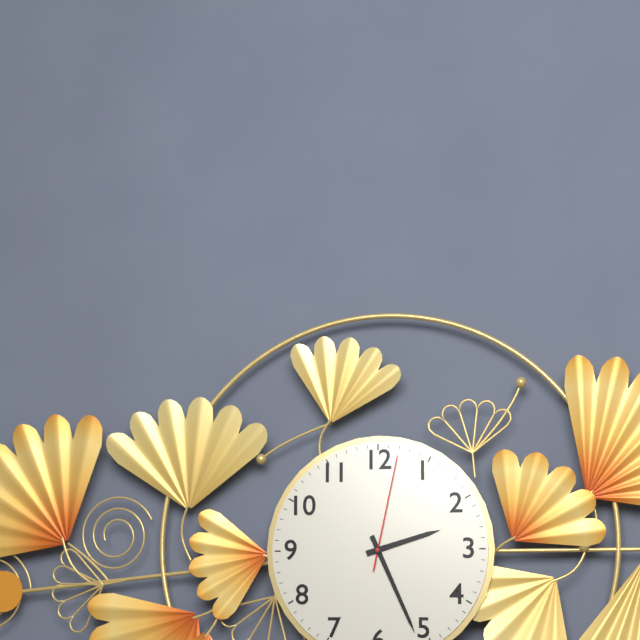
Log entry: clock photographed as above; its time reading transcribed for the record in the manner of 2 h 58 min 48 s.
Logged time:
2 h 26 min 02 s
